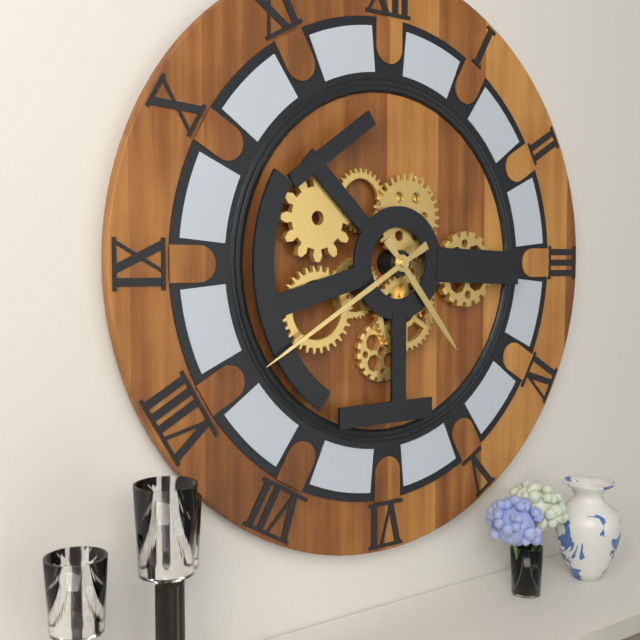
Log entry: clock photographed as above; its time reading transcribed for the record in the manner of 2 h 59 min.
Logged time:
4 h 40 min
